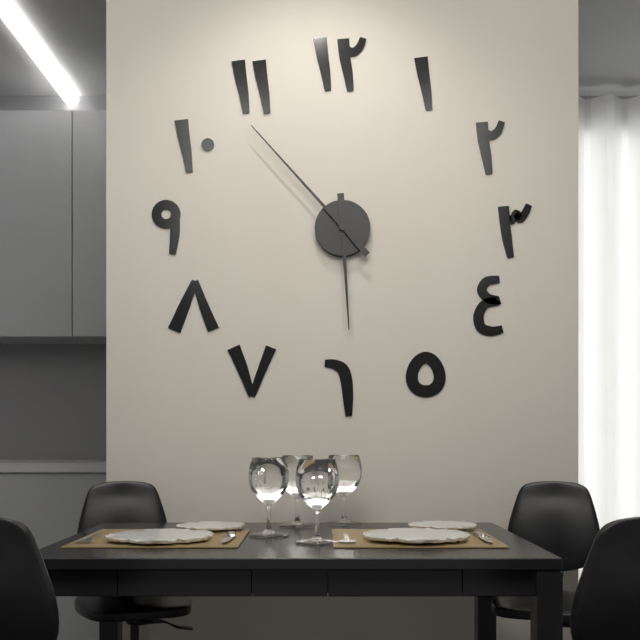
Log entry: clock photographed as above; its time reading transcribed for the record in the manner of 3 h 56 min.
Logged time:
5 h 53 min
